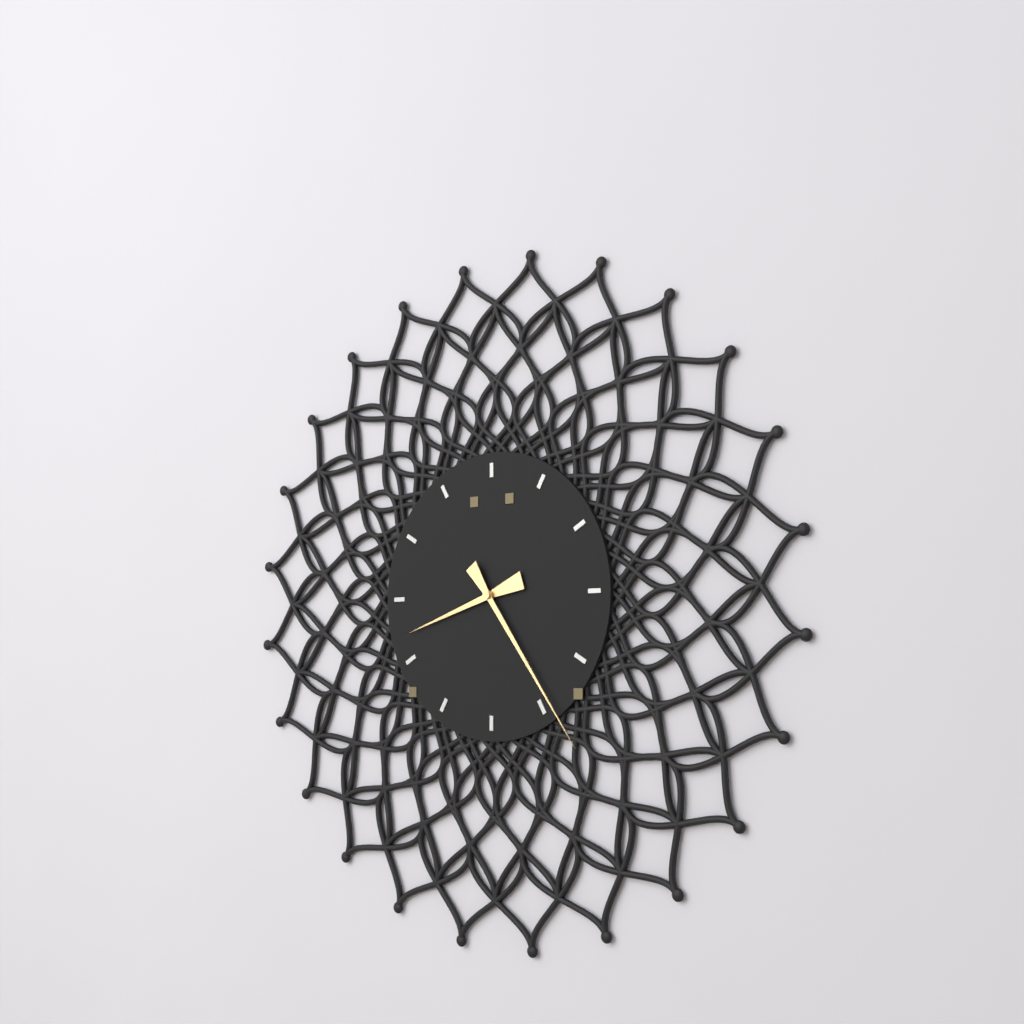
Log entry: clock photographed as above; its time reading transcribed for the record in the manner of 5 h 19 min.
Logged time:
8 h 24 min
